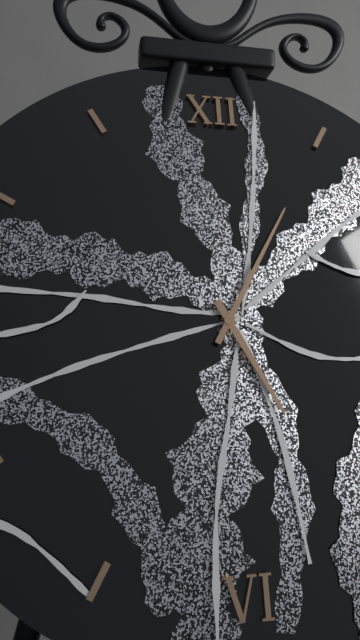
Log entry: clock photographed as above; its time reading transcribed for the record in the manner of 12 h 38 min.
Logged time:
5 h 05 min
